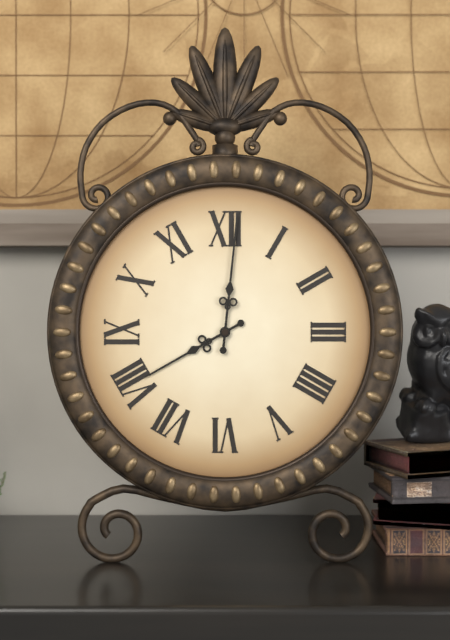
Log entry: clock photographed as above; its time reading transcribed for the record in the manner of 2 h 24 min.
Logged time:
8 h 01 min
